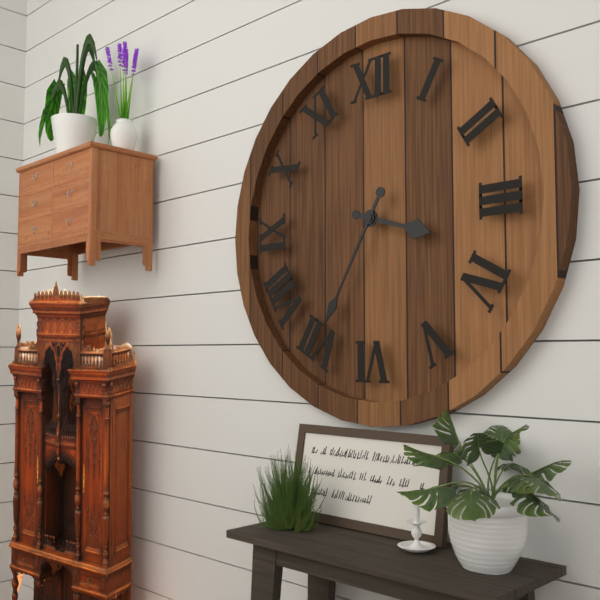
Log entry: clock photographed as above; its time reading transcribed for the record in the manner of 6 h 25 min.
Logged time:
3 h 35 min
